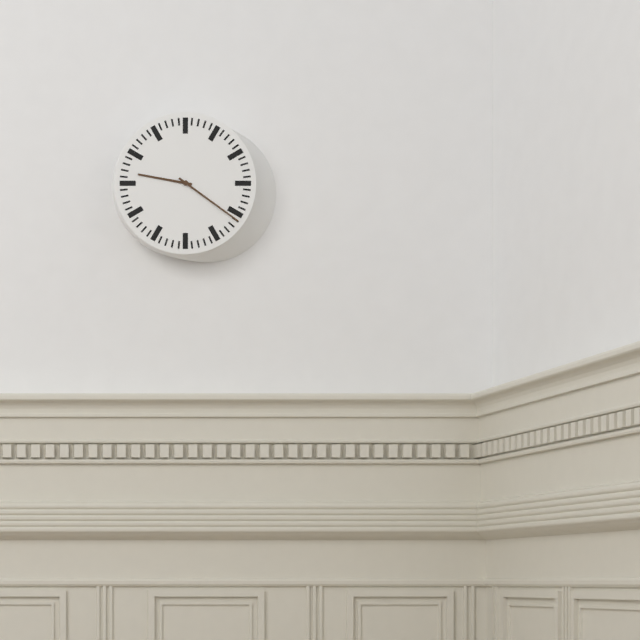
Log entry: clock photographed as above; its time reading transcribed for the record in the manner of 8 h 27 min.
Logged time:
9 h 21 min
